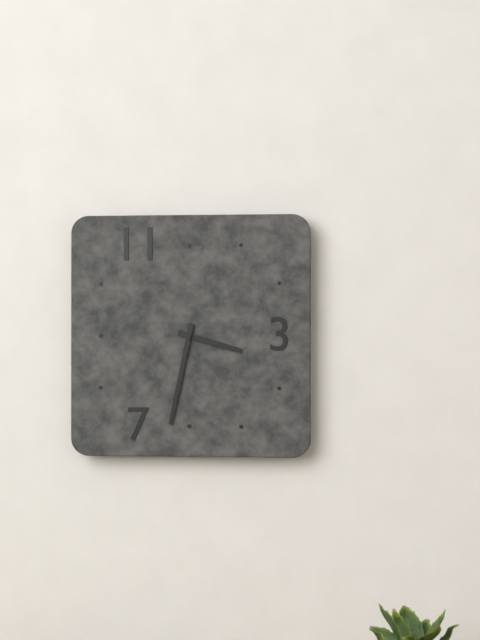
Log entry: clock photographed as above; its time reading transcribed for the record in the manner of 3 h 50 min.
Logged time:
3 h 32 min
